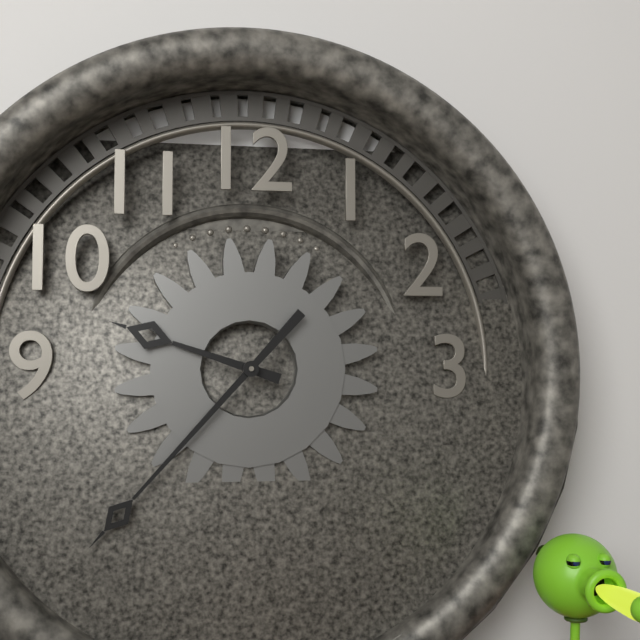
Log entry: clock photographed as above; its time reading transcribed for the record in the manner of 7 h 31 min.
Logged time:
9 h 37 min
